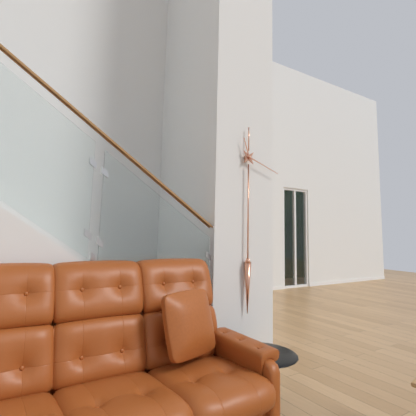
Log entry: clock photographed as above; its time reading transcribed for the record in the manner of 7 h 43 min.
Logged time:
11 h 18 min
